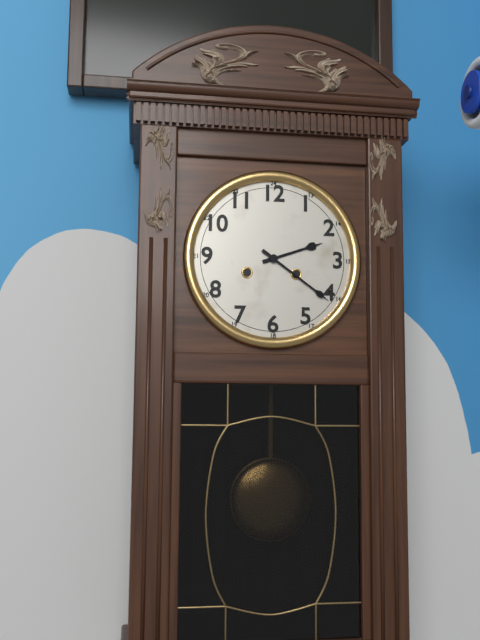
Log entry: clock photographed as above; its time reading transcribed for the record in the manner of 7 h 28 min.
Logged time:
2 h 21 min
